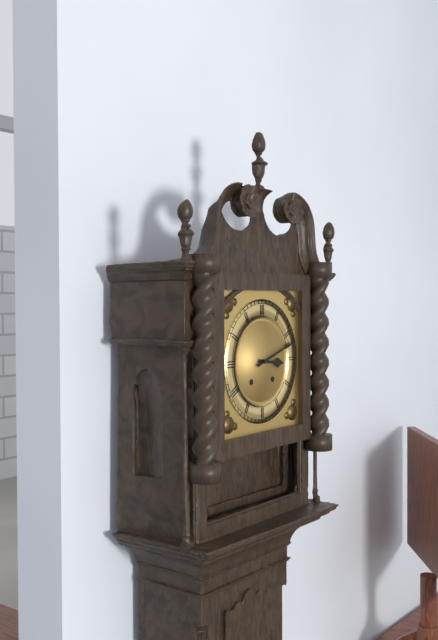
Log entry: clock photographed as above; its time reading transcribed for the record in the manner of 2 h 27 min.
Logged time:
3 h 12 min
